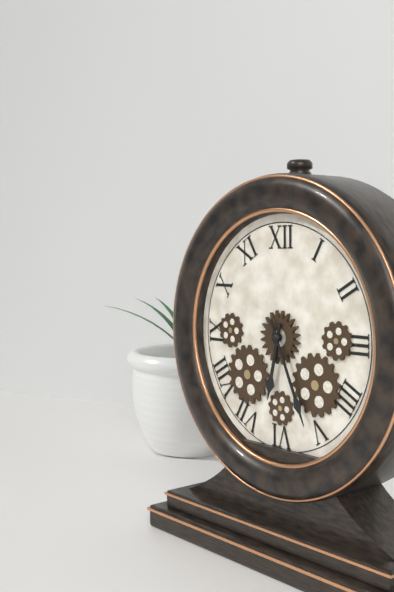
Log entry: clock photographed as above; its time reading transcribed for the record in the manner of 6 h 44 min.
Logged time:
6 h 26 min
